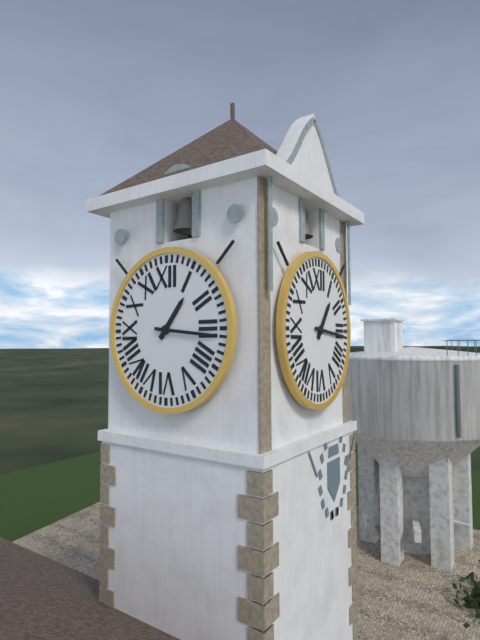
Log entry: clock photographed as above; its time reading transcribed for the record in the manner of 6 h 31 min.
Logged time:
1 h 16 min
